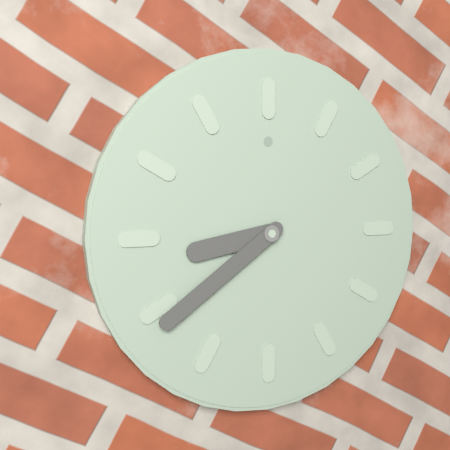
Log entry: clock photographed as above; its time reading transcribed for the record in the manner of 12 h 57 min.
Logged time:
8 h 39 min
